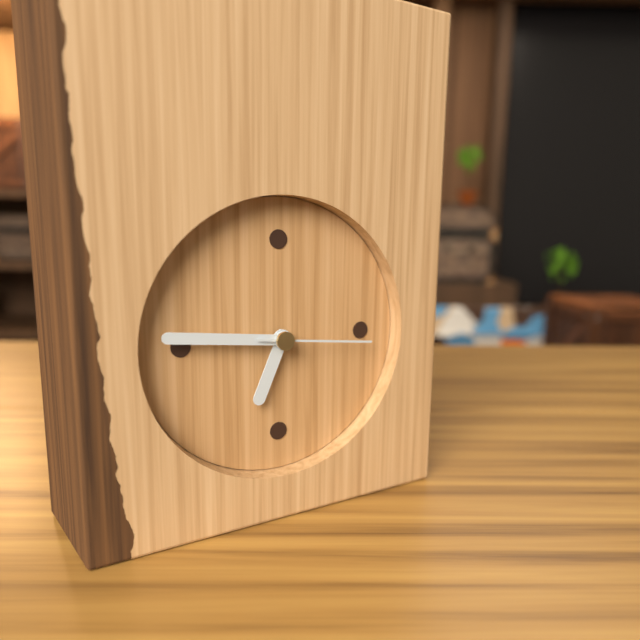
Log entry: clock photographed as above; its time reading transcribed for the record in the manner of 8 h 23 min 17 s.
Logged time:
6 h 46 min 16 s
